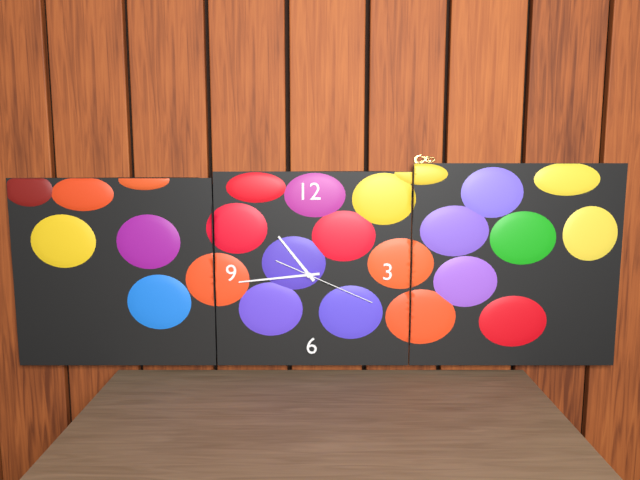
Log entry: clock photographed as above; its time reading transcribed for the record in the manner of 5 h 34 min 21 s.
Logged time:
10 h 44 min 19 s
